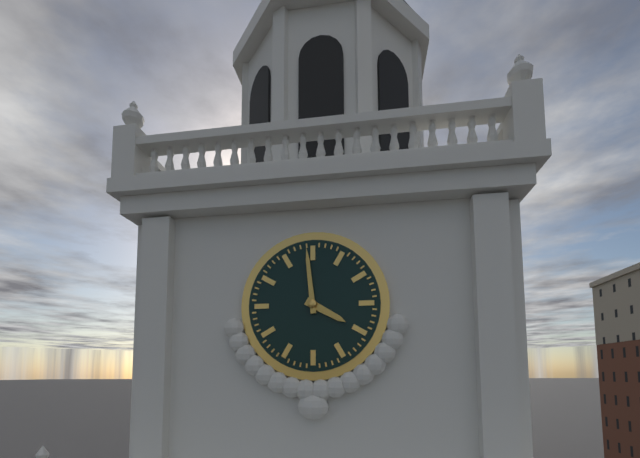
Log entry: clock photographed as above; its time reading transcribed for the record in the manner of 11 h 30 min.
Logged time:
3 h 59 min
